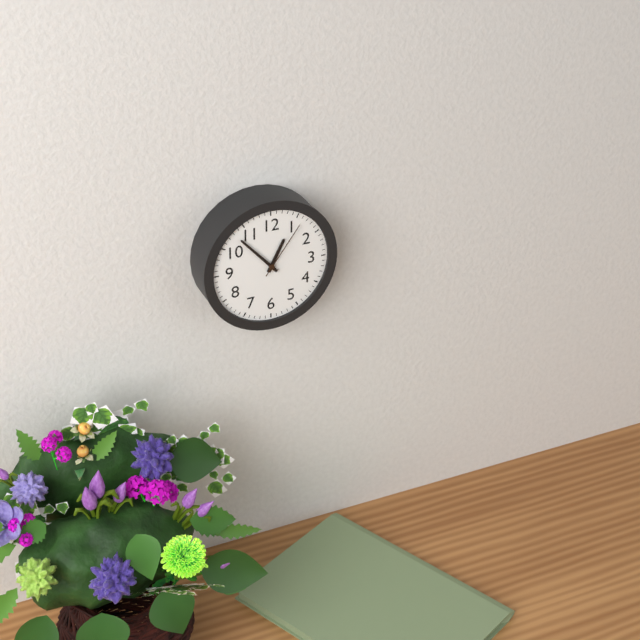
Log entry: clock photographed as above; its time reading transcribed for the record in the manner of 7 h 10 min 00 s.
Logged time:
12 h 53 min 06 s
